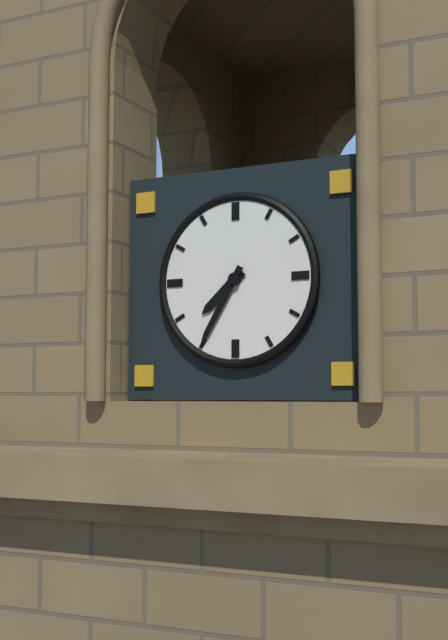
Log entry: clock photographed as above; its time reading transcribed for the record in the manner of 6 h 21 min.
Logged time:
7 h 35 min
